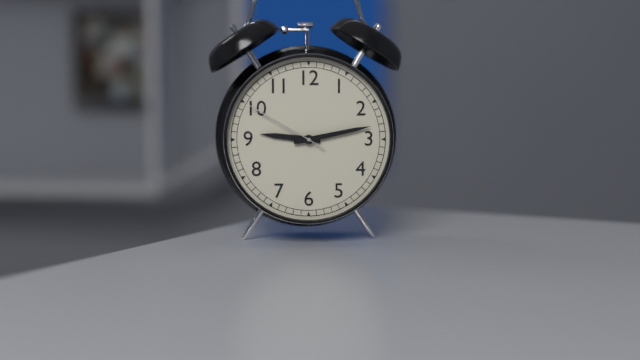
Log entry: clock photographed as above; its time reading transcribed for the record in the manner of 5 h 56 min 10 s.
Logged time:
9 h 13 min 50 s
